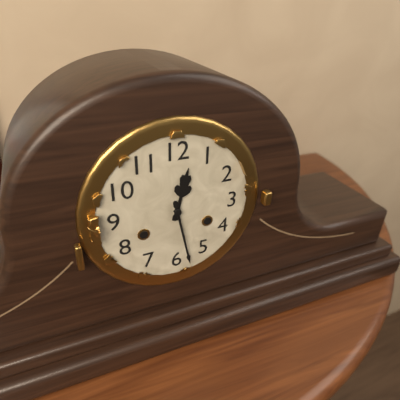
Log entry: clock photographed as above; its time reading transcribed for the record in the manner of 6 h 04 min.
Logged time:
12 h 28 min
